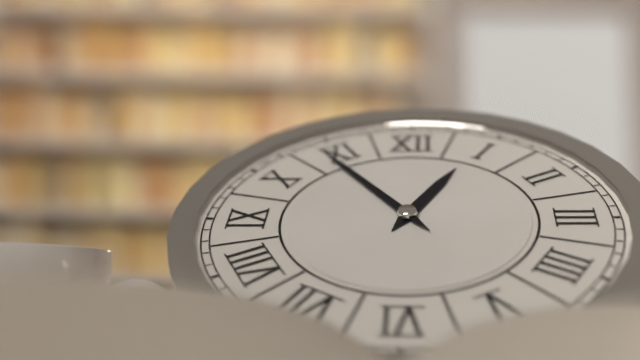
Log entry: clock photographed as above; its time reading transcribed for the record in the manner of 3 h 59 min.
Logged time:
12 h 54 min
